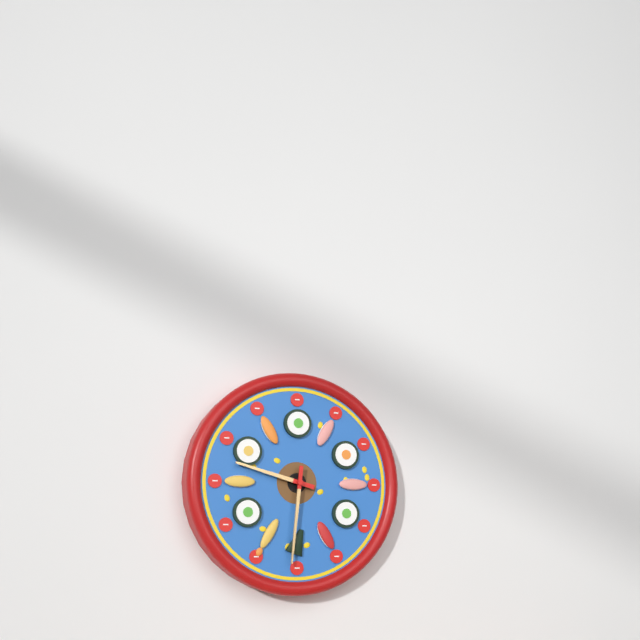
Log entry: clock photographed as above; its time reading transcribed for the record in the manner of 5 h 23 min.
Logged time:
9 h 31 min
